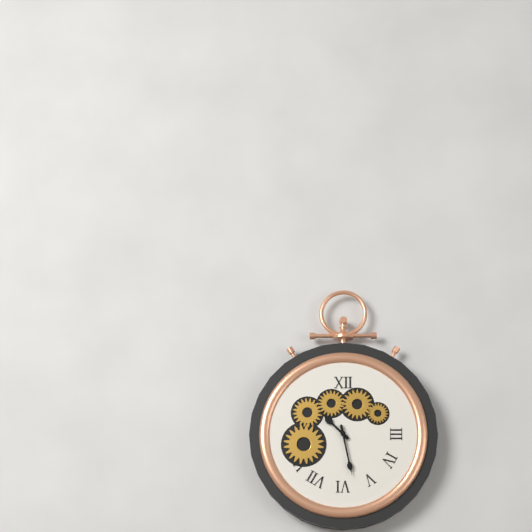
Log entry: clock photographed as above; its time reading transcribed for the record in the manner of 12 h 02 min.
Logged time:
10 h 28 min
